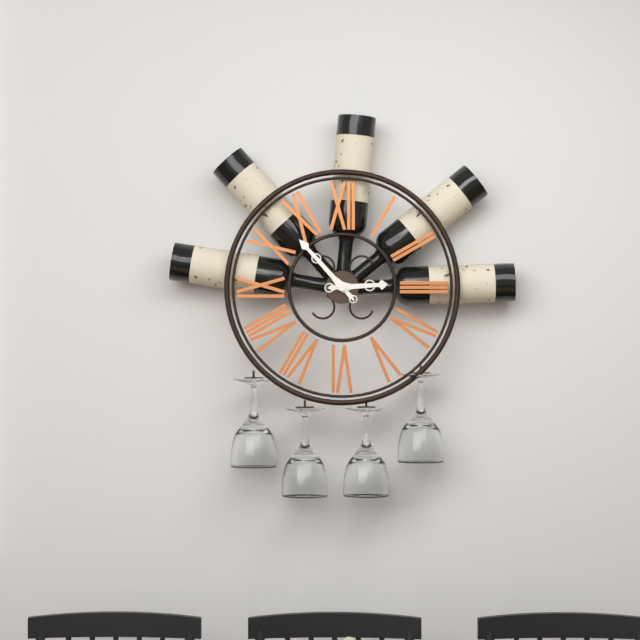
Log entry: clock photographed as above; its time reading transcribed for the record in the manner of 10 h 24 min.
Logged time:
2 h 53 min
